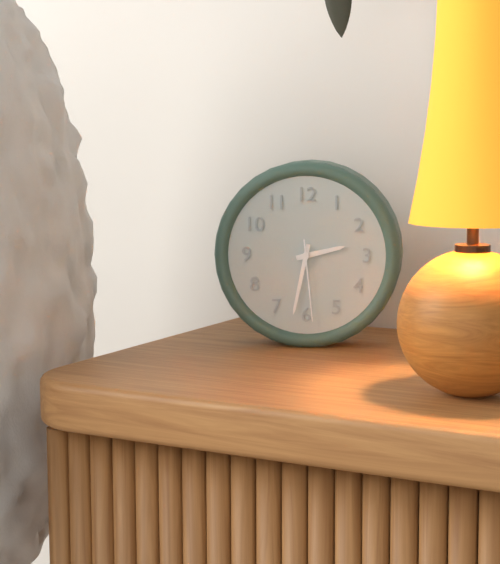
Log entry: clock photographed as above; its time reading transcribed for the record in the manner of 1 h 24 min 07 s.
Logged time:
2 h 32 min 29 s
